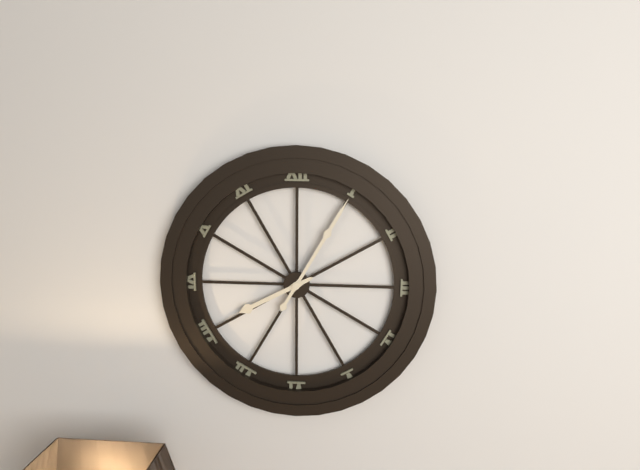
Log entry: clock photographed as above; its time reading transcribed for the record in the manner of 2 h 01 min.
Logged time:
8 h 05 min
